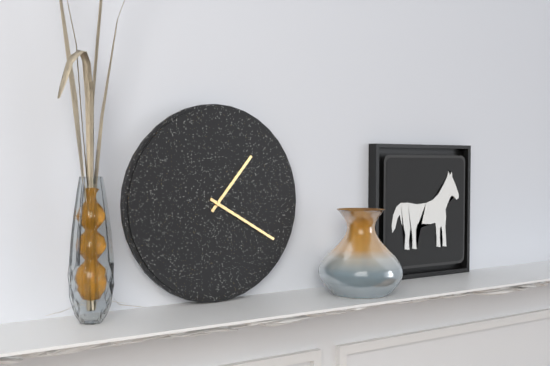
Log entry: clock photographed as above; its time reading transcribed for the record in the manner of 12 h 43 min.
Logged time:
1 h 20 min
